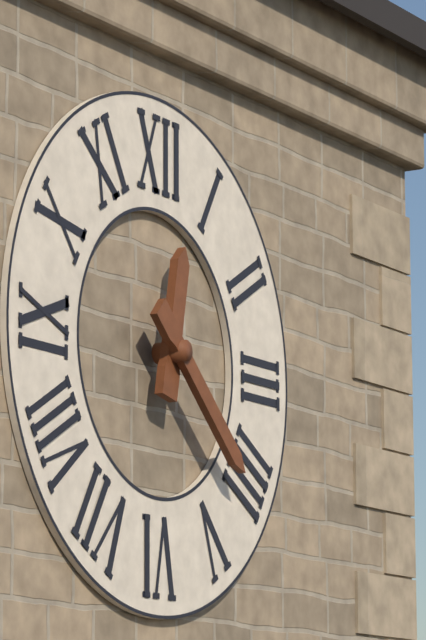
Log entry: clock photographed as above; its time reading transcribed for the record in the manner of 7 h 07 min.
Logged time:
12 h 22 min
